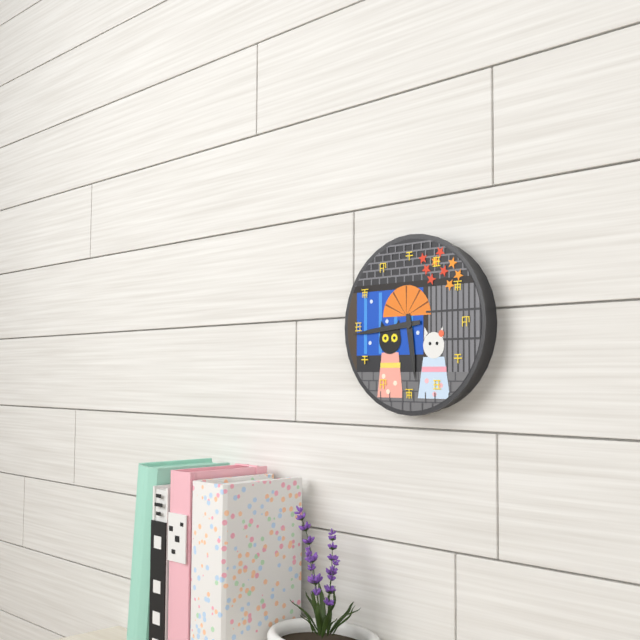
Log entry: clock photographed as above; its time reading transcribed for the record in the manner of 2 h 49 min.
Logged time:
5 h 44 min
